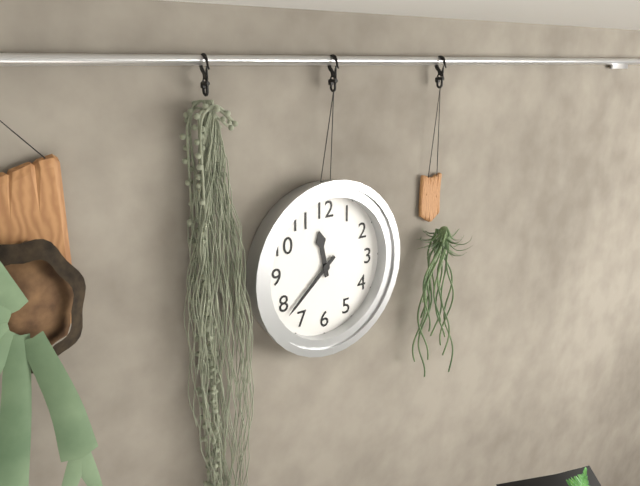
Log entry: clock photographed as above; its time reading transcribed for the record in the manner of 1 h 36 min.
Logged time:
11 h 38 min
